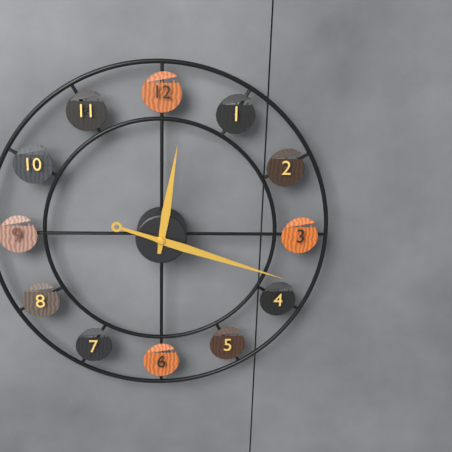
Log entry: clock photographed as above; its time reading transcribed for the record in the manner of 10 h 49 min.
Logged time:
12 h 18 min
